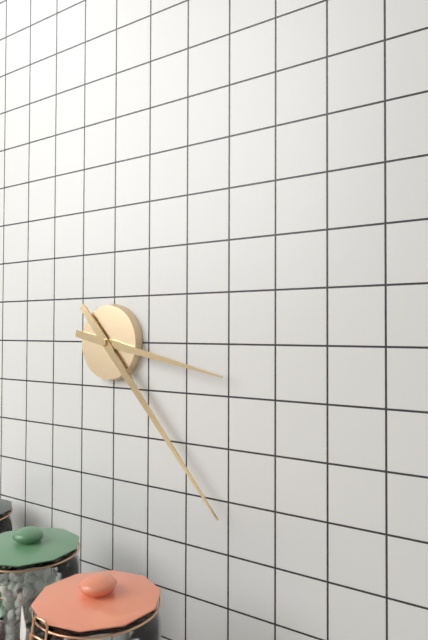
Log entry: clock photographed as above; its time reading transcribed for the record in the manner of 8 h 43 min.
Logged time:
3 h 23 min
